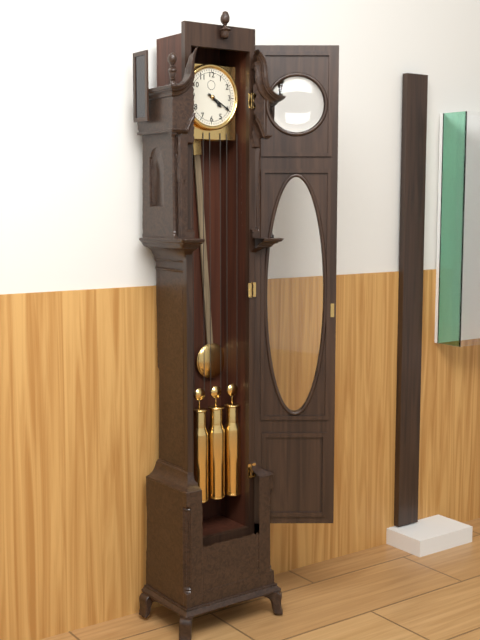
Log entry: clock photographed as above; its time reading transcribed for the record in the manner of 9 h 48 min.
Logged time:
4 h 20 min
